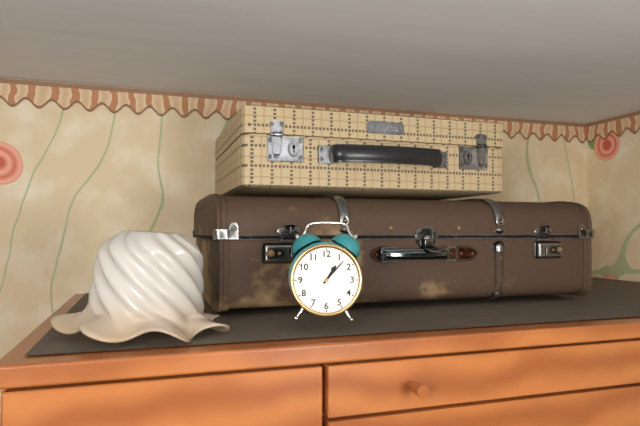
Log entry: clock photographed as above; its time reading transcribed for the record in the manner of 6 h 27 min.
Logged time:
1 h 07 min
